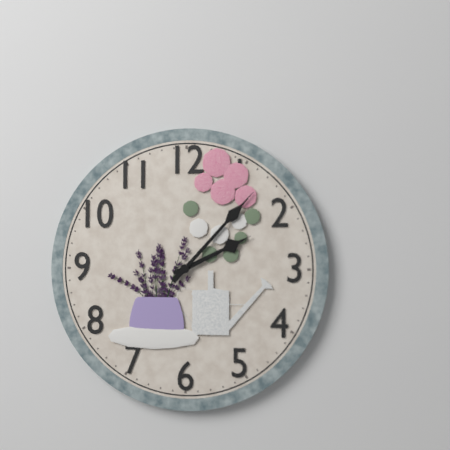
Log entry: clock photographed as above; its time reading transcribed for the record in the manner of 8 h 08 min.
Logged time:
2 h 07 min
